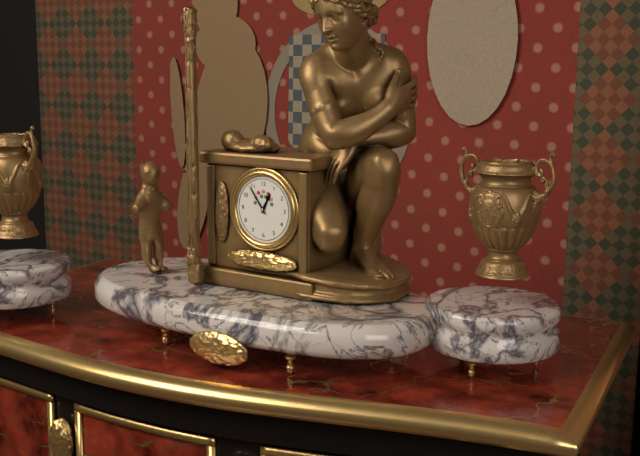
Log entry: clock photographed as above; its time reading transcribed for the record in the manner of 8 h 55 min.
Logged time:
12 h 54 min
